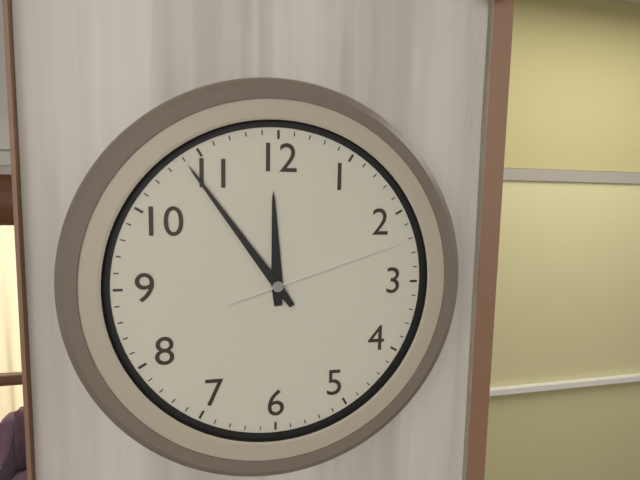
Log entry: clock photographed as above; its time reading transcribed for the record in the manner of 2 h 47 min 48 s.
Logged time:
11 h 54 min 12 s
